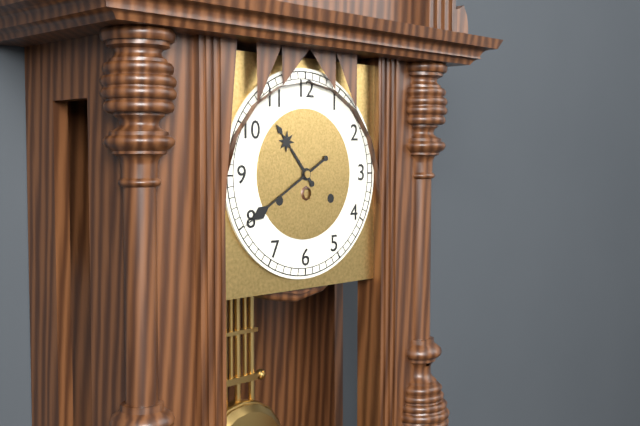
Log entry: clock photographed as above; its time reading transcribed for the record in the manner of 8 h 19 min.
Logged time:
10 h 40 min
